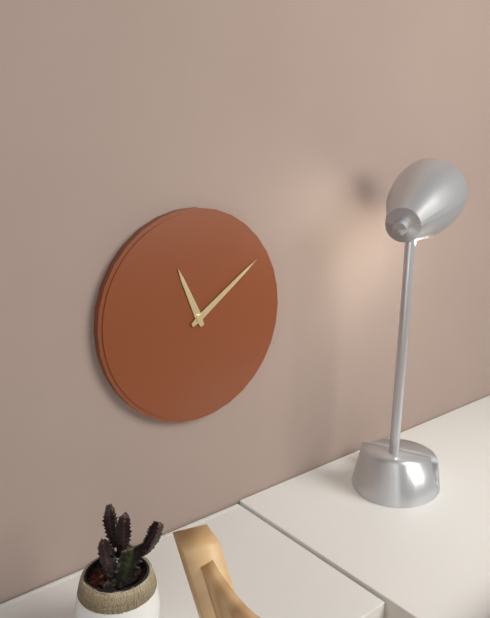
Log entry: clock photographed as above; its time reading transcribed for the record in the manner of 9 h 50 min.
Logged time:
11 h 09 min
